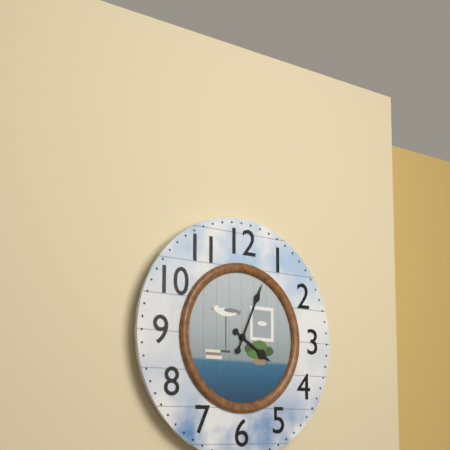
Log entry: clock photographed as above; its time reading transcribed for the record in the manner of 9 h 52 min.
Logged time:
4 h 04 min
